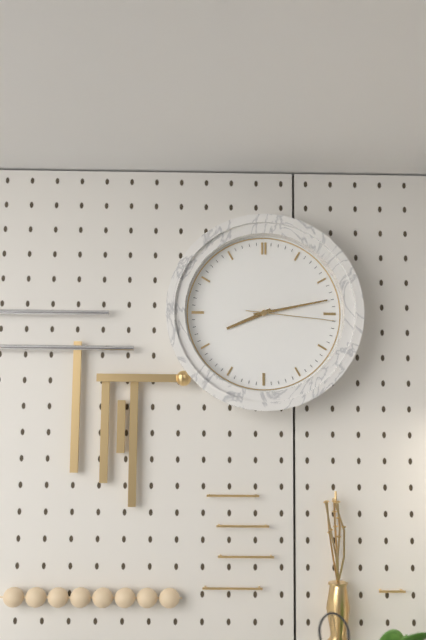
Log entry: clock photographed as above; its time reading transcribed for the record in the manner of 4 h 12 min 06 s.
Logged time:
8 h 13 min 16 s
